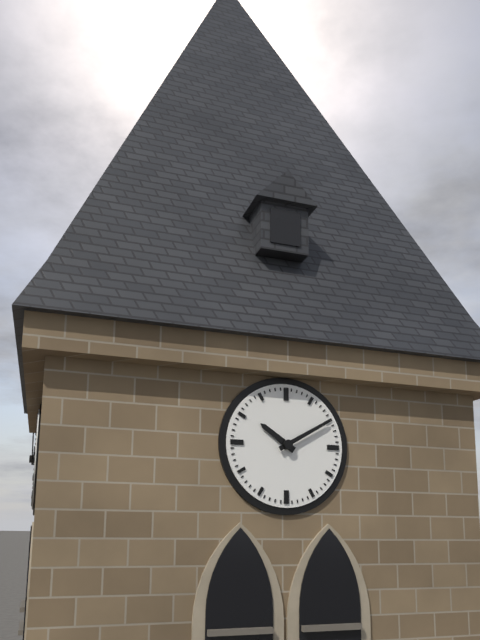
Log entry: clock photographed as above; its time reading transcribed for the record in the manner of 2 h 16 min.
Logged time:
10 h 10 min
